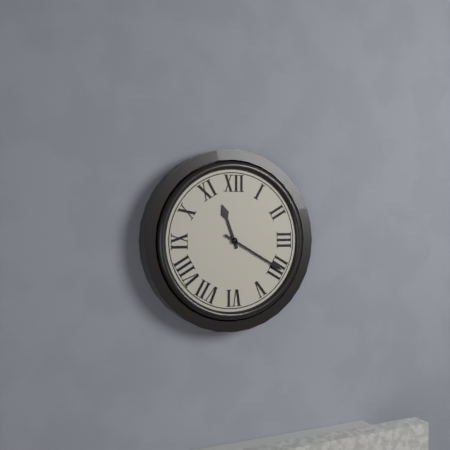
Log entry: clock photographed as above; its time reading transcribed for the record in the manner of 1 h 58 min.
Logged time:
11 h 20 min
